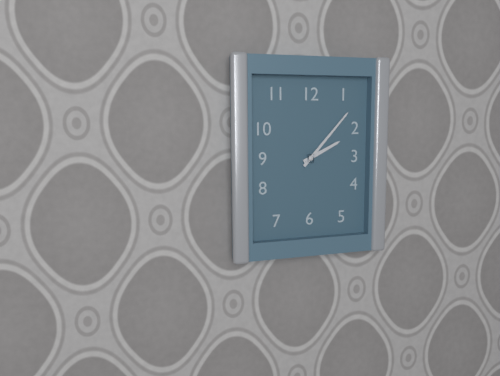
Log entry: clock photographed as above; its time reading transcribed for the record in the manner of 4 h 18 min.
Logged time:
2 h 07 min
